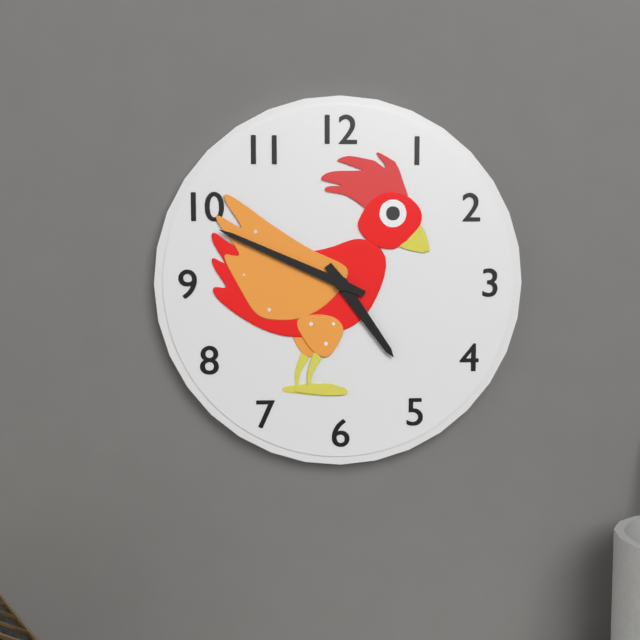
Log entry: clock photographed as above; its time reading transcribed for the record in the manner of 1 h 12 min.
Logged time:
4 h 49 min
